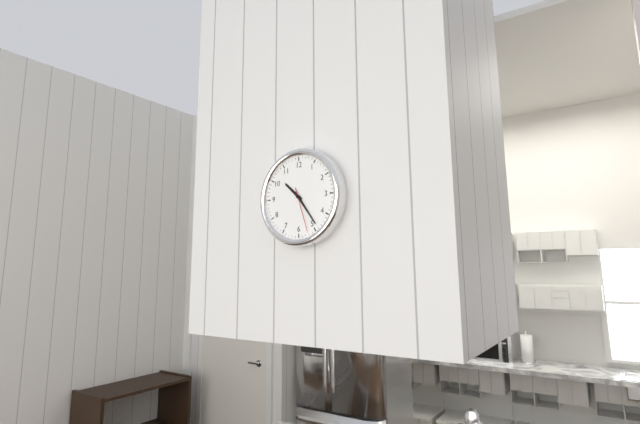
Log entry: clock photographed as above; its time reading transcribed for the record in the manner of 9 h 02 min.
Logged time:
10 h 24 min
